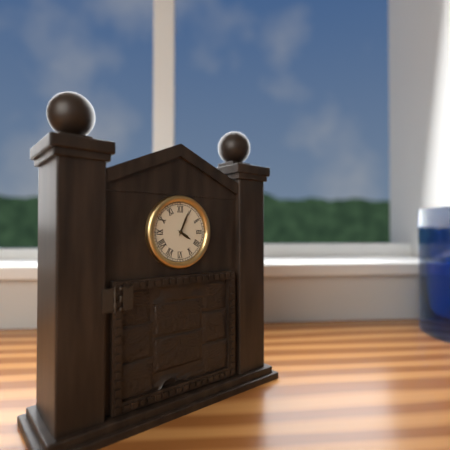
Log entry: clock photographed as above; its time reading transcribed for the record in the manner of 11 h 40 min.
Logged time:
4 h 04 min
